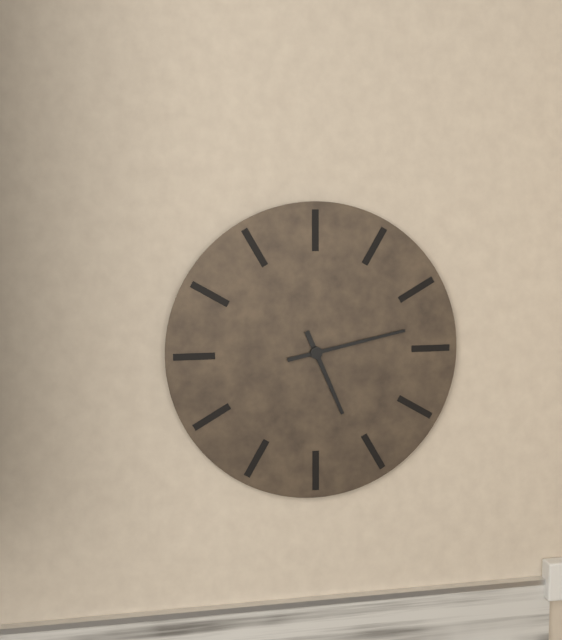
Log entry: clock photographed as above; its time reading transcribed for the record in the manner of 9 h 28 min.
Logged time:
5 h 13 min
